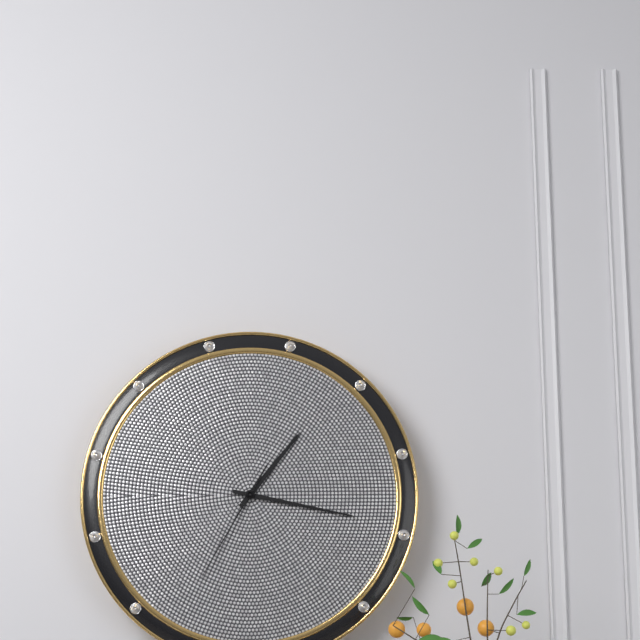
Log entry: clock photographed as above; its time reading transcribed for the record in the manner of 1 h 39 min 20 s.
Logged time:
1 h 17 min 35 s
